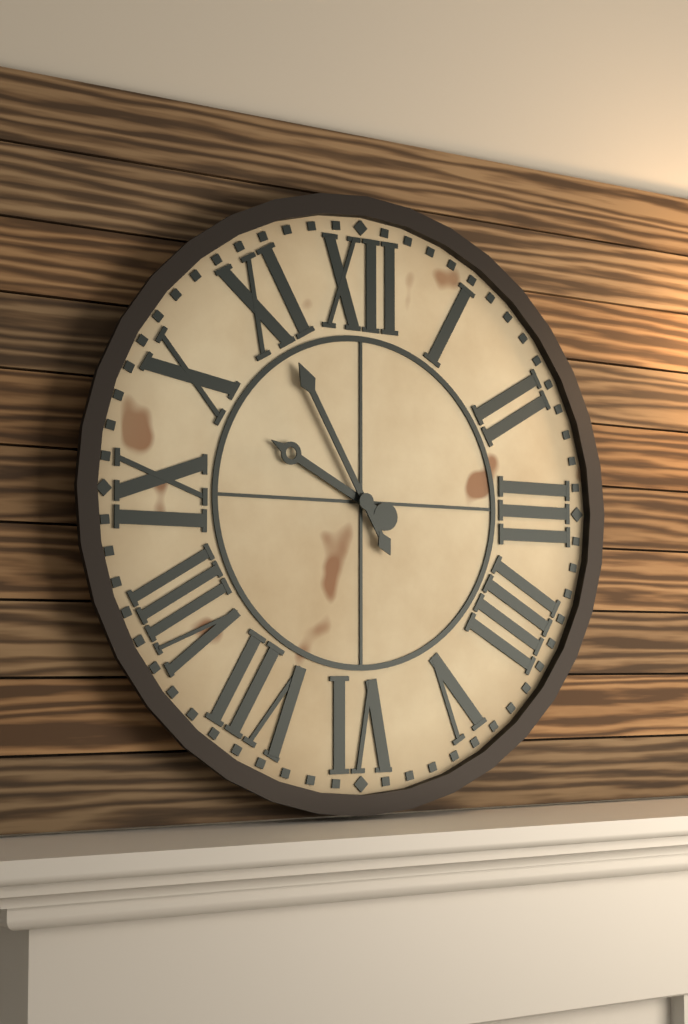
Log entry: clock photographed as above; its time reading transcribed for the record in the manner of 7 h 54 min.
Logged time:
9 h 55 min
